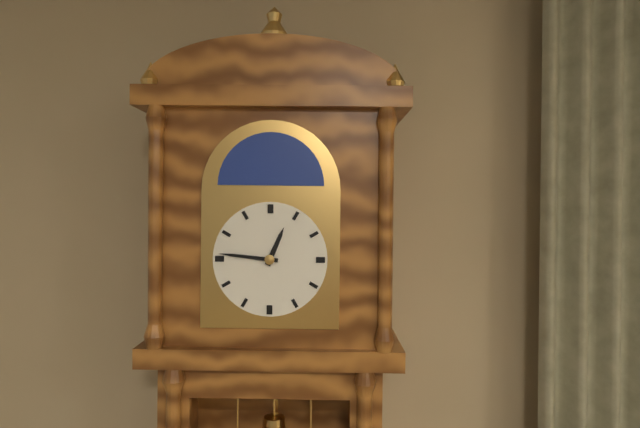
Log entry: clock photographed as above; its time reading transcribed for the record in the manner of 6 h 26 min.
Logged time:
12 h 46 min
